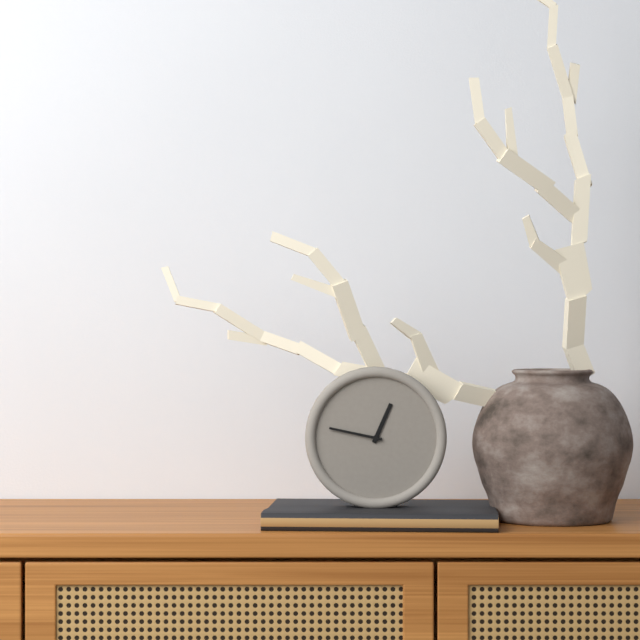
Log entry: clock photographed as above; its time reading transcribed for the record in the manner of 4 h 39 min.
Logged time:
12 h 47 min
